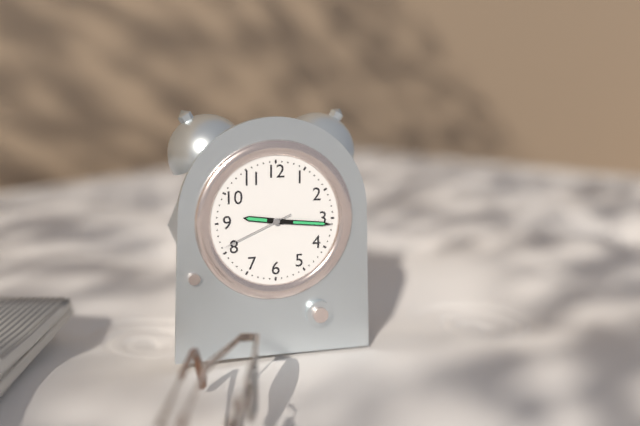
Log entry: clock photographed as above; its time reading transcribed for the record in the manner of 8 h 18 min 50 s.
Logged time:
9 h 16 min 41 s
